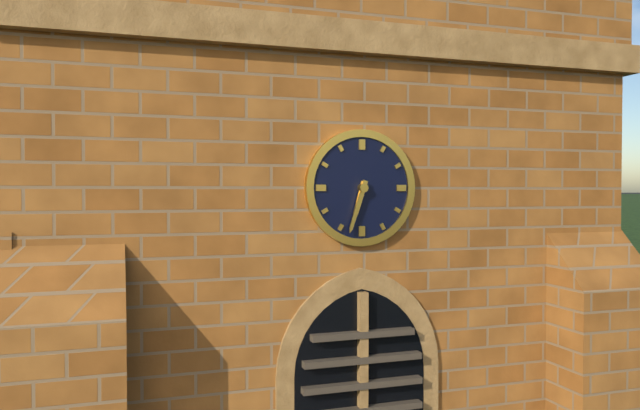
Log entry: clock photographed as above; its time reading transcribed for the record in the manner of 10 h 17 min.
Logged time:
6 h 33 min
